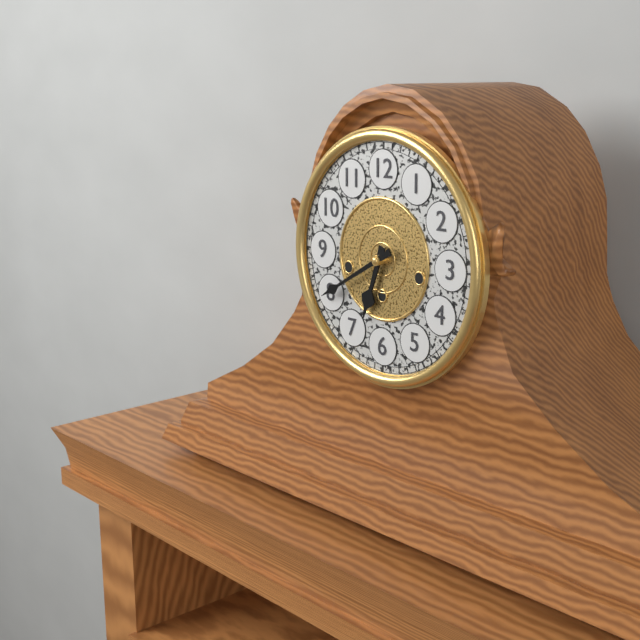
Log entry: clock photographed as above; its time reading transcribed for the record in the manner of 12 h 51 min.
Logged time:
6 h 40 min
